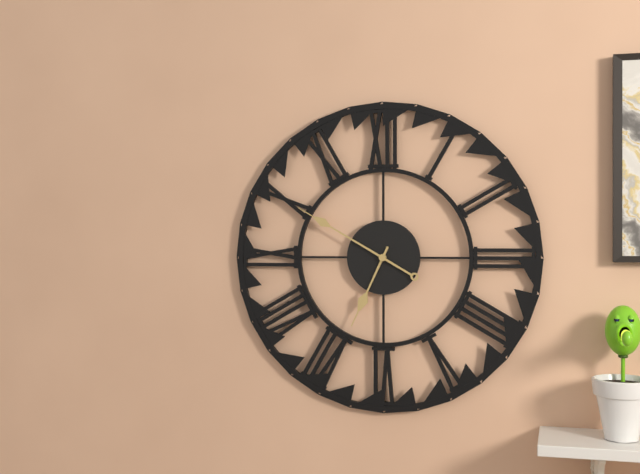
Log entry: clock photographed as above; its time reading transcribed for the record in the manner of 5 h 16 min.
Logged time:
6 h 50 min
